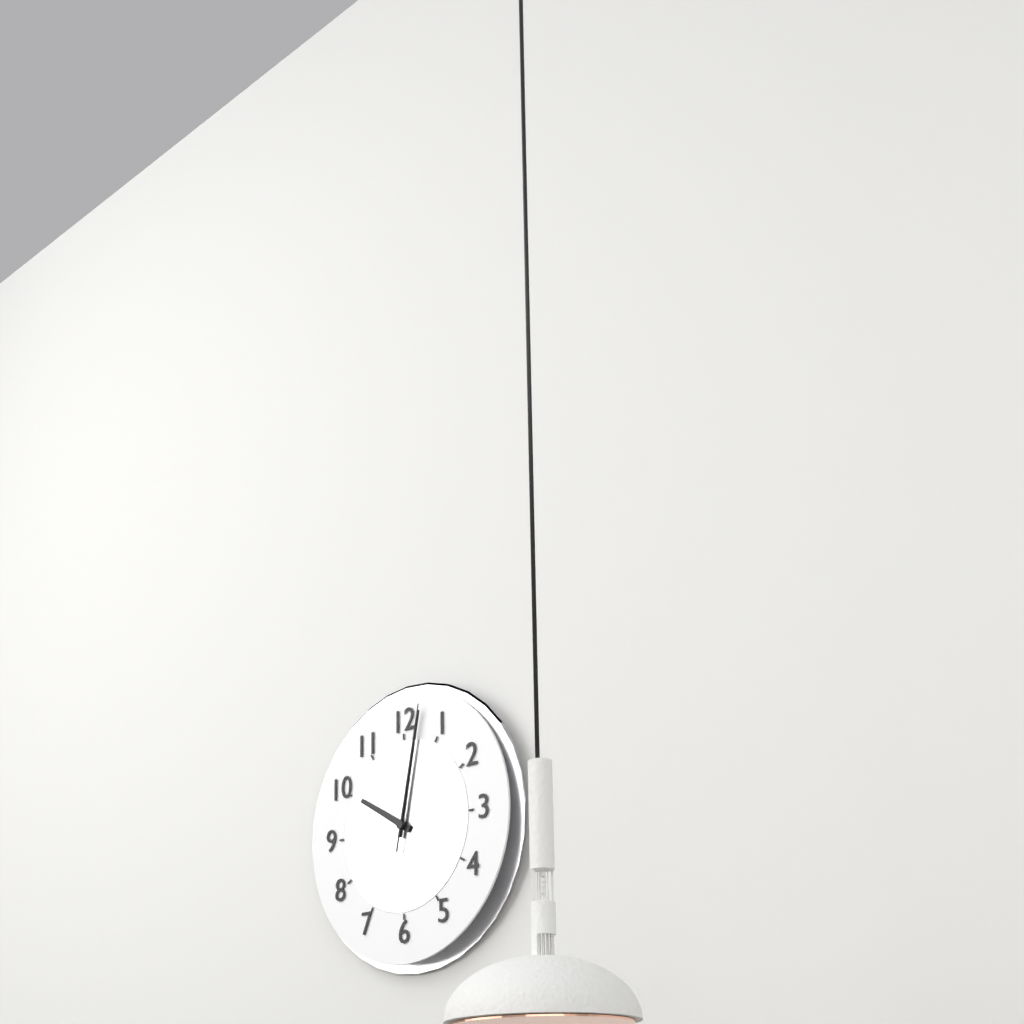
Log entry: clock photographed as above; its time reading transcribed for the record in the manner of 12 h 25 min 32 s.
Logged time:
10 h 02 min 02 s
